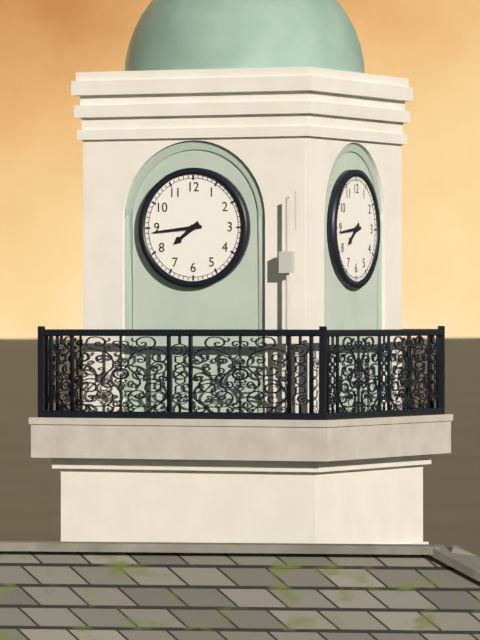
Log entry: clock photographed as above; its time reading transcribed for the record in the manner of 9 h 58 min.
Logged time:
7 h 44 min
